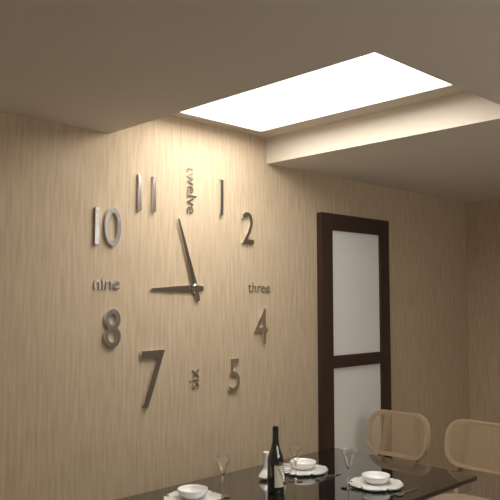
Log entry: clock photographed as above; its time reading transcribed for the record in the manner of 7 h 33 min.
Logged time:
8 h 57 min
